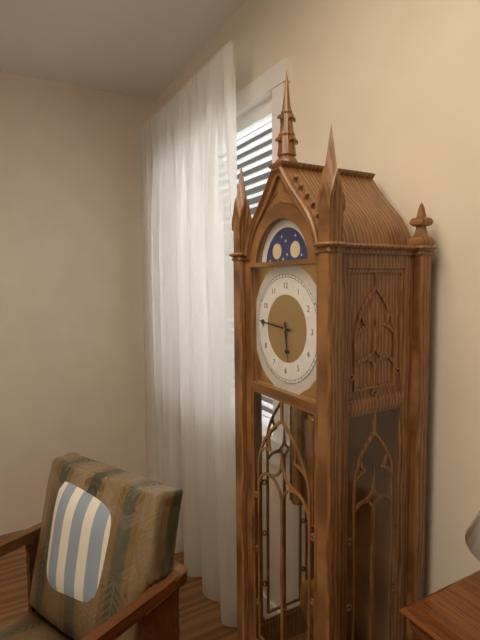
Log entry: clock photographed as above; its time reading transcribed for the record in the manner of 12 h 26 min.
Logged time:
5 h 46 min
